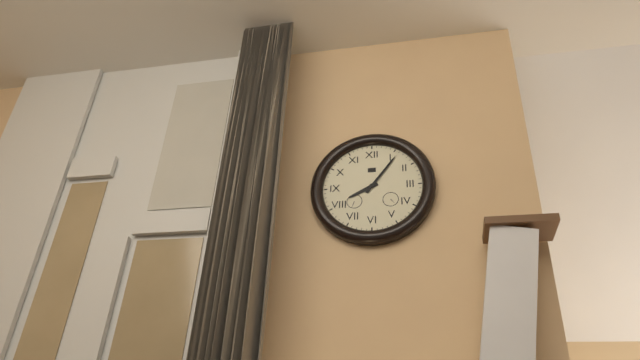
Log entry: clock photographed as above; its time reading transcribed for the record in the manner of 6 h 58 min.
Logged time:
8 h 06 min
